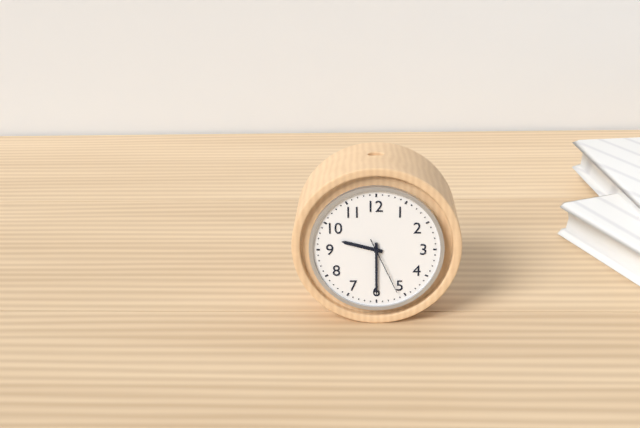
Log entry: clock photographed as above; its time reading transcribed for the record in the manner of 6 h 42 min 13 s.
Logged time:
9 h 30 min 26 s
